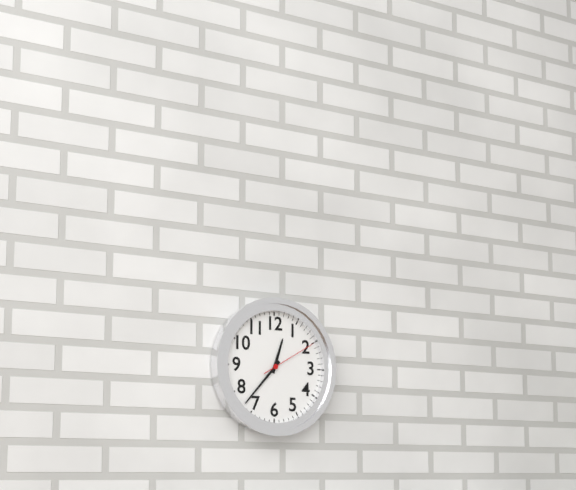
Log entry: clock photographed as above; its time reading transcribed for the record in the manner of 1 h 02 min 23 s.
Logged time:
12 h 37 min 10 s
